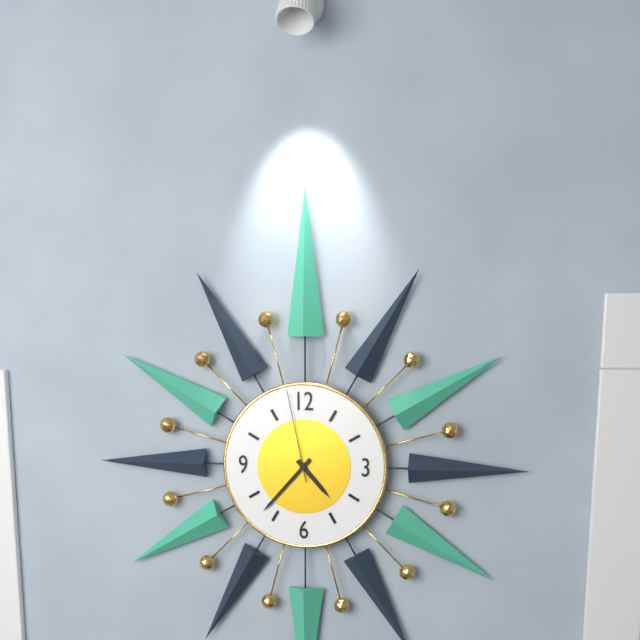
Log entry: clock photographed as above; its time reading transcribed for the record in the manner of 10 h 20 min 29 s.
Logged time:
4 h 37 min 58 s
